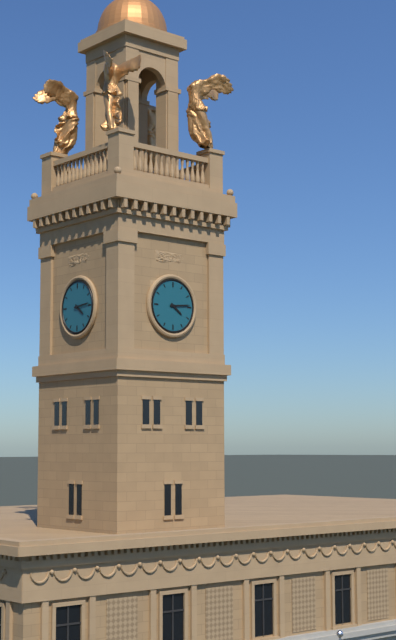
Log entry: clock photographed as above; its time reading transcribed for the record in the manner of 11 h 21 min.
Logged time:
4 h 14 min
